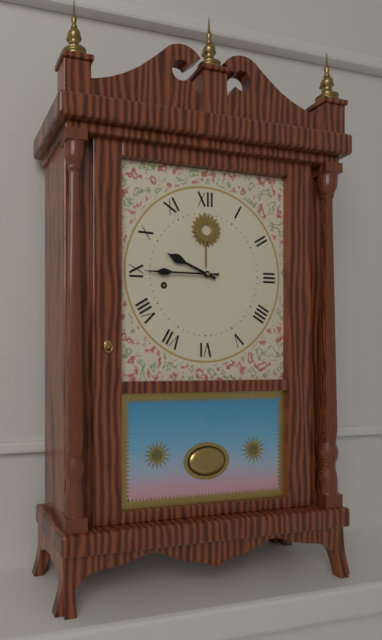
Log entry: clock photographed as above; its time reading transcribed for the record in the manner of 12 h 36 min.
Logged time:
9 h 45 min
